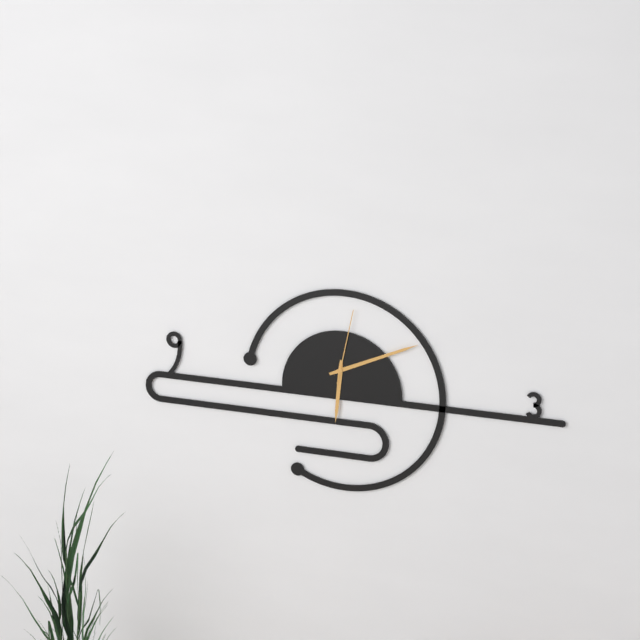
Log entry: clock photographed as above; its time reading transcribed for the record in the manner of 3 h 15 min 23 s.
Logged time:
6 h 11 min 02 s
